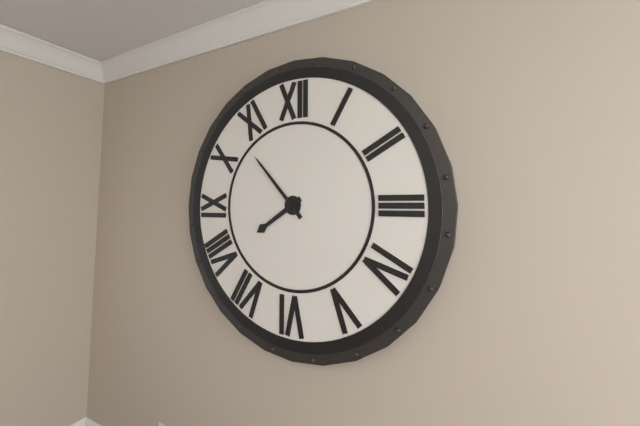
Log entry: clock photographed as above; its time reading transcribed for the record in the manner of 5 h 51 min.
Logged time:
7 h 53 min
